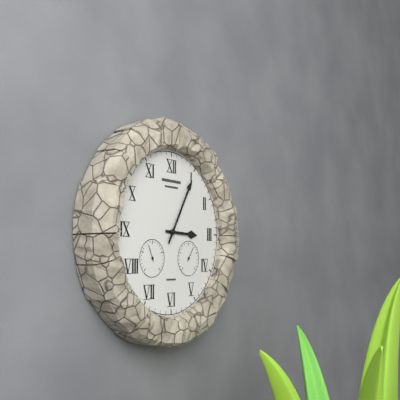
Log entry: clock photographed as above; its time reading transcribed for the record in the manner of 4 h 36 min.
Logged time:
3 h 05 min
